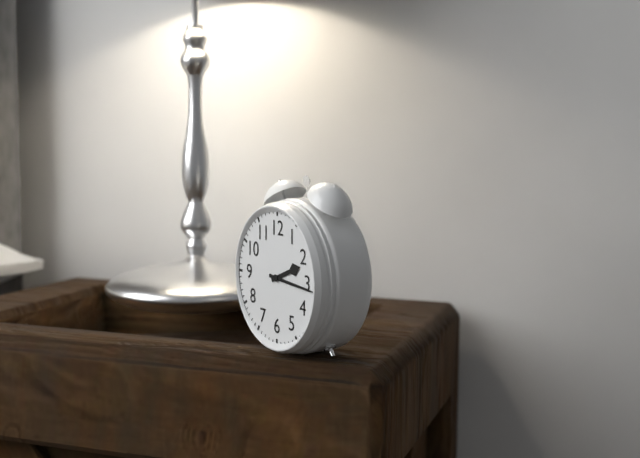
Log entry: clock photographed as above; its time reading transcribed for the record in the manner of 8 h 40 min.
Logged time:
2 h 16 min
